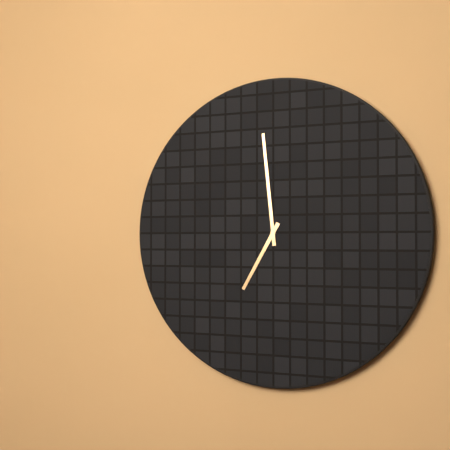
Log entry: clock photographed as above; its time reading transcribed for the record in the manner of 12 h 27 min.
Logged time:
6 h 59 min
